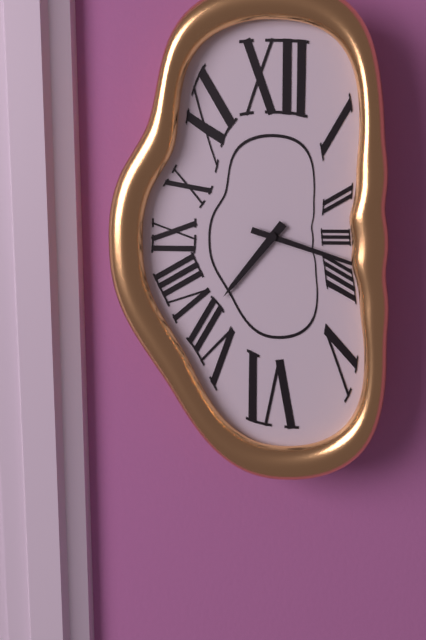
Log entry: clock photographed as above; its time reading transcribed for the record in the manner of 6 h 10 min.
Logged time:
7 h 18 min
